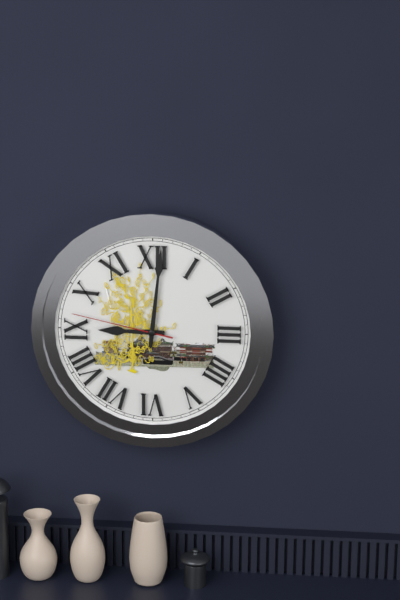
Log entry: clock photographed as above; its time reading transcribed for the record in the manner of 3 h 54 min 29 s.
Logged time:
9 h 01 min 47 s
